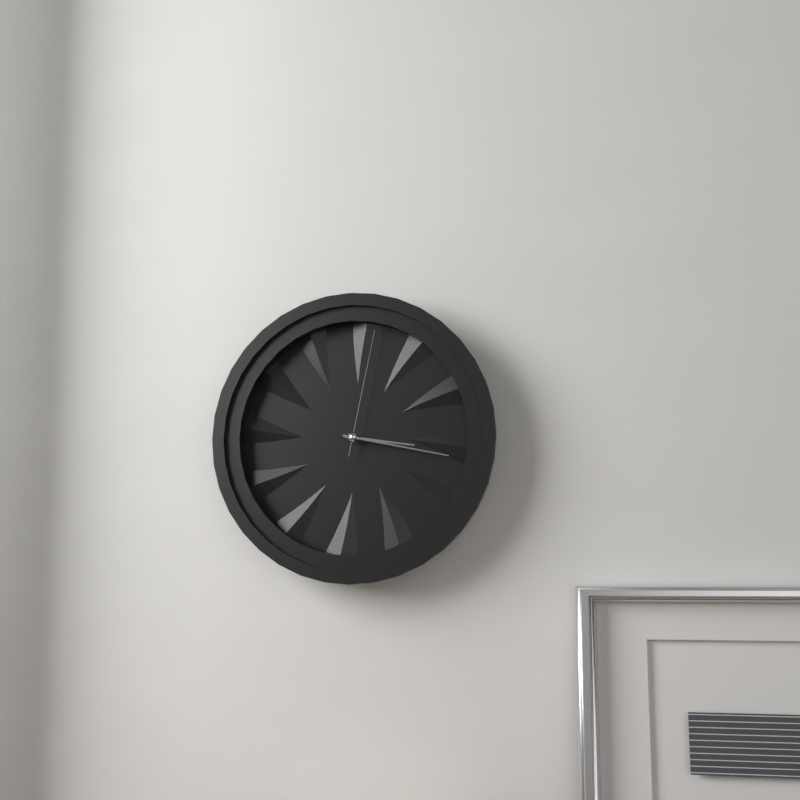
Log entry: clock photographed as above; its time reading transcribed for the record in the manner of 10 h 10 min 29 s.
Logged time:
3 h 17 min 02 s
